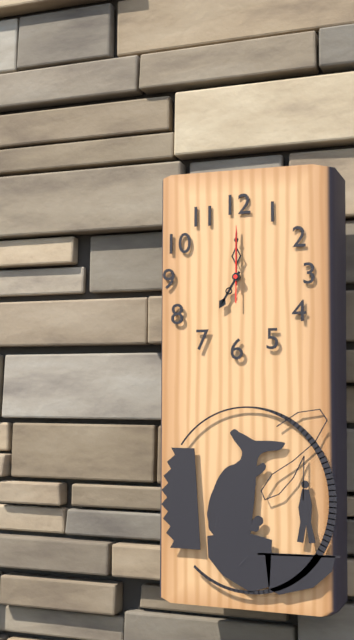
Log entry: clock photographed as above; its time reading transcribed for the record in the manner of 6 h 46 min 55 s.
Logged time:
7 h 00 min 00 s
